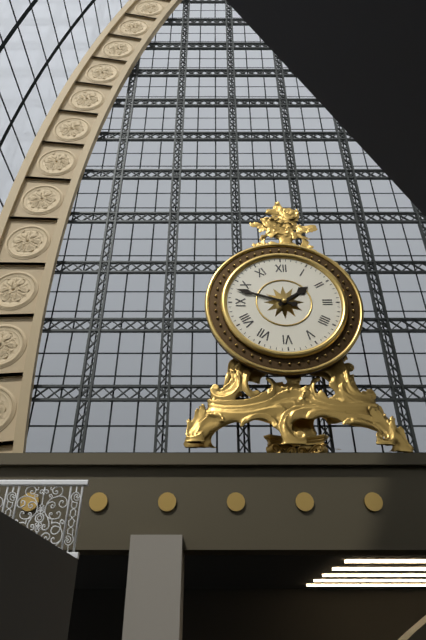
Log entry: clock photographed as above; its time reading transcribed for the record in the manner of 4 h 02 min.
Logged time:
1 h 48 min
